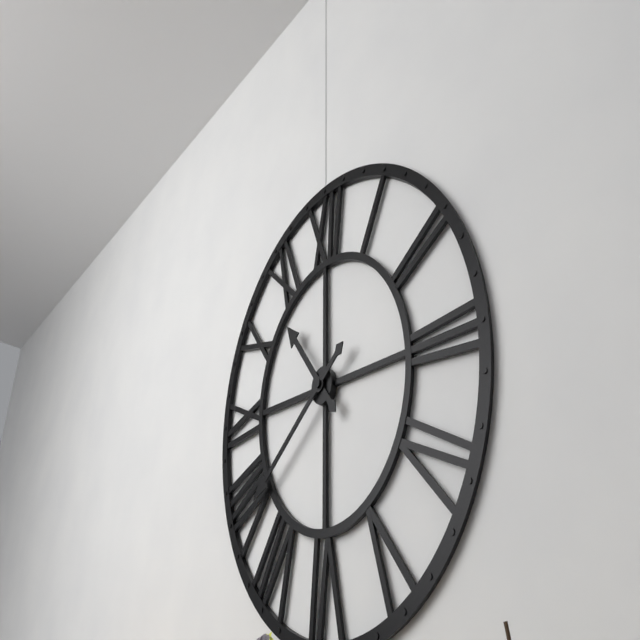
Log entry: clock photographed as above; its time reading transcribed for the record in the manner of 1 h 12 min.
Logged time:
10 h 39 min
